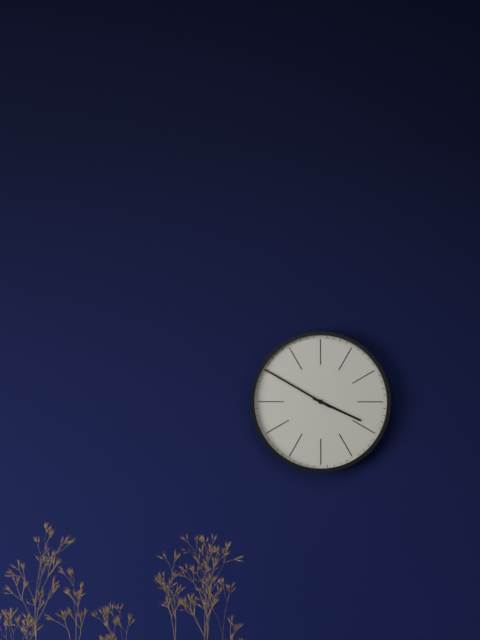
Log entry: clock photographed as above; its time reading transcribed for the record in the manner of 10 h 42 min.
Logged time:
3 h 50 min
